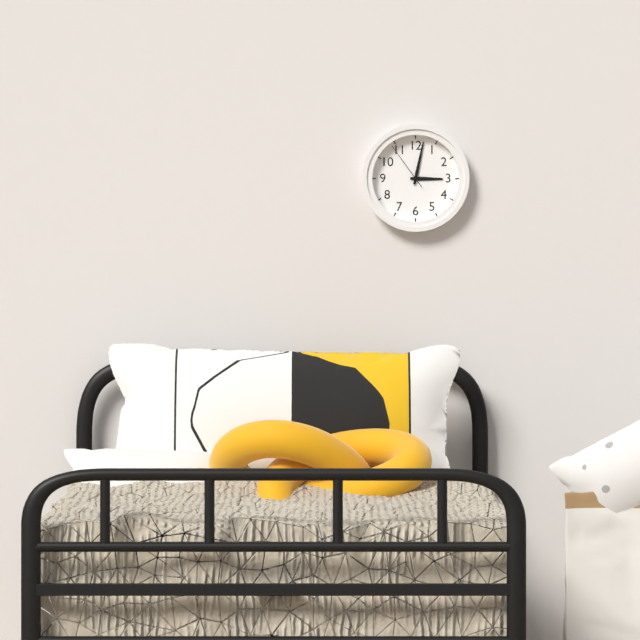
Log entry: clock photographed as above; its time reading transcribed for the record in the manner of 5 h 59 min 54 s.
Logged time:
3 h 02 min 54 s
